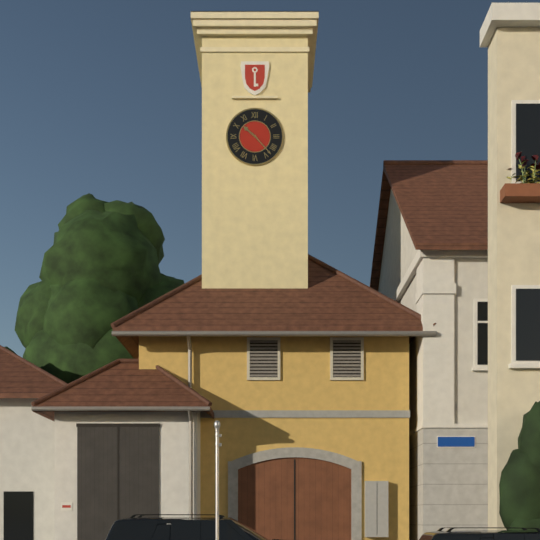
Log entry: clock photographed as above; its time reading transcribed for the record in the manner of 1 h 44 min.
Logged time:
10 h 23 min
